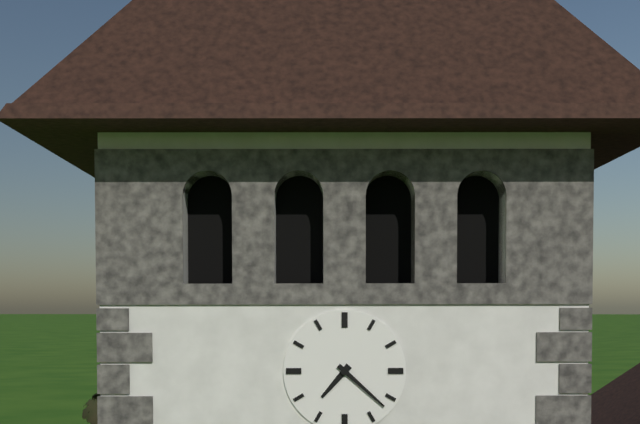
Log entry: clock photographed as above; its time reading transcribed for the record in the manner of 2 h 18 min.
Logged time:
7 h 22 min
